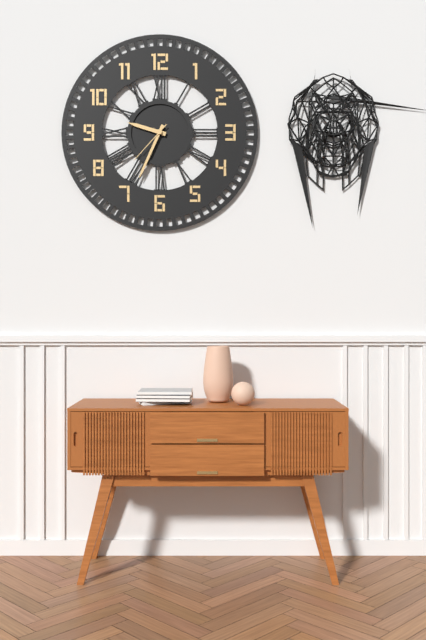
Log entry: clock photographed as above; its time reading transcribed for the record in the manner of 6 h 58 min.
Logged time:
9 h 34 min
